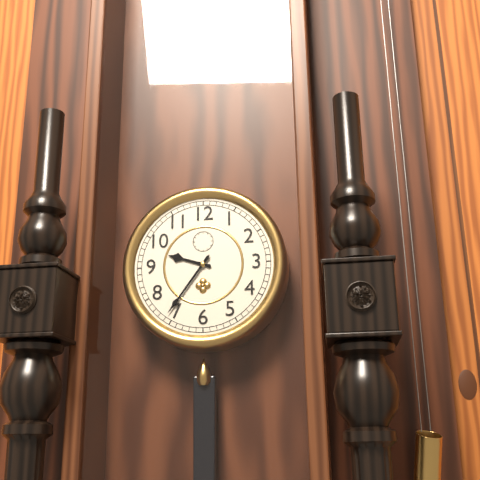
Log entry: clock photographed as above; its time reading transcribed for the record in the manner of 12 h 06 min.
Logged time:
9 h 36 min
